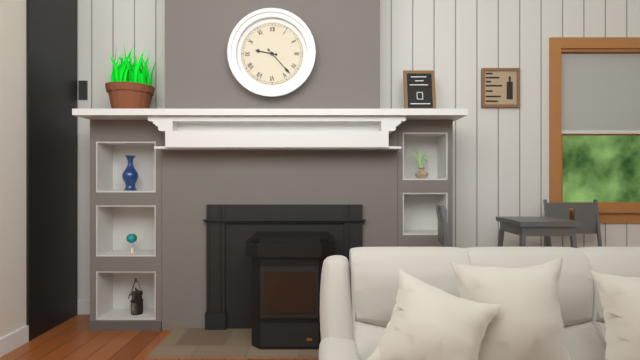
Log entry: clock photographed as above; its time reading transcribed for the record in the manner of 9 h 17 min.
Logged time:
9 h 23 min
